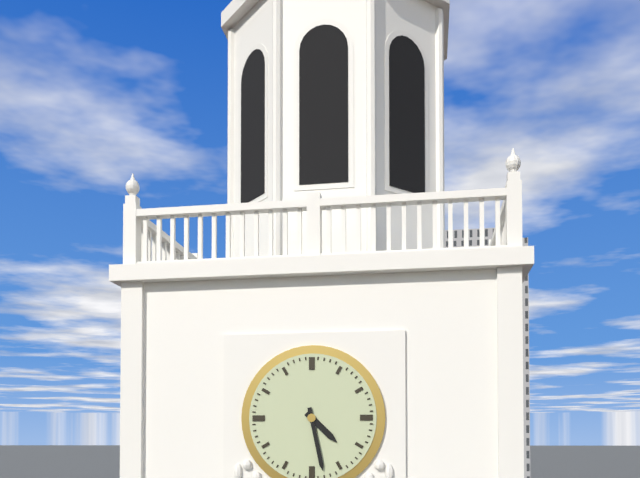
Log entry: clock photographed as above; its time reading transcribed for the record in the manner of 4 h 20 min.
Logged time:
4 h 28 min
